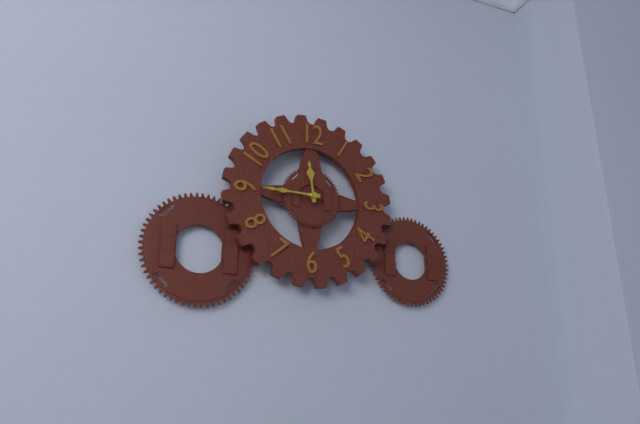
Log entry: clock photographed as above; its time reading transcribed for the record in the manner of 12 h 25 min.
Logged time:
11 h 45 min
